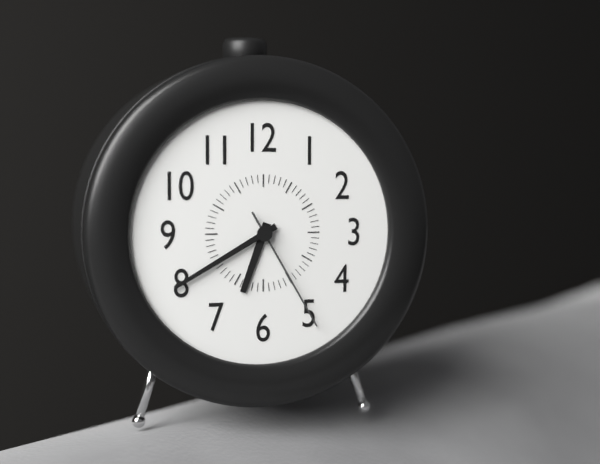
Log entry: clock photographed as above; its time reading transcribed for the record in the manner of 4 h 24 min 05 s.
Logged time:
6 h 40 min 25 s
